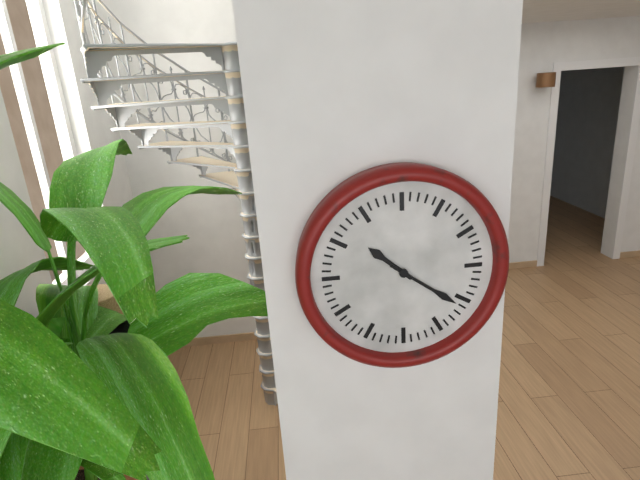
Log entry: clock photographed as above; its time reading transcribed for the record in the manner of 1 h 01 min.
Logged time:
10 h 21 min
